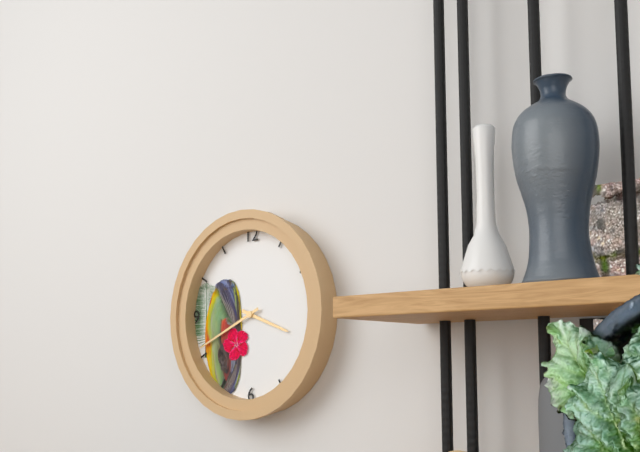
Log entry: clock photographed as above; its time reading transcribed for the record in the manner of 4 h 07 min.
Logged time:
3 h 41 min
